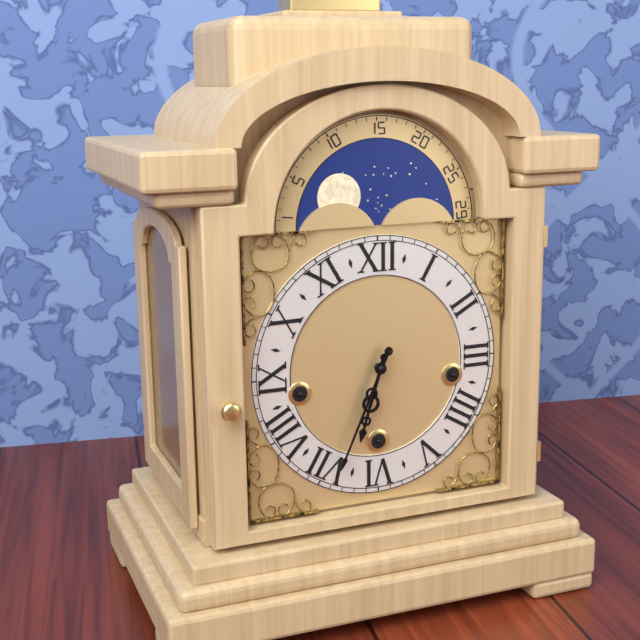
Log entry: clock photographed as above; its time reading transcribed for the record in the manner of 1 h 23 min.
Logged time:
6 h 34 min
